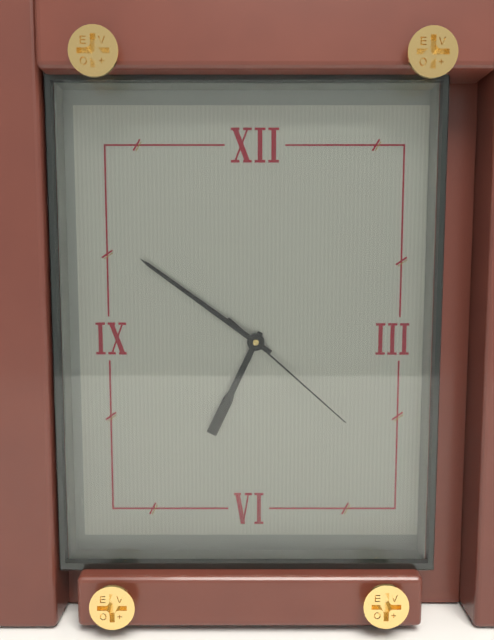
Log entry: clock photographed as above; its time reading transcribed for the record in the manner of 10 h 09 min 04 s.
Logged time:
6 h 51 min 22 s
